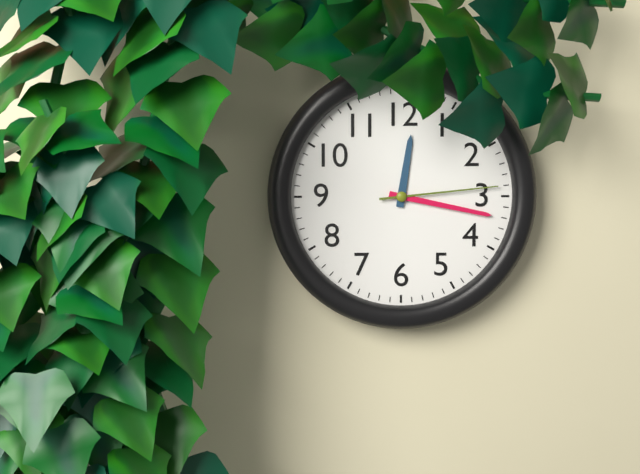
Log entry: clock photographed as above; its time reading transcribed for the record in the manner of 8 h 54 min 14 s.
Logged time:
12 h 17 min 14 s
